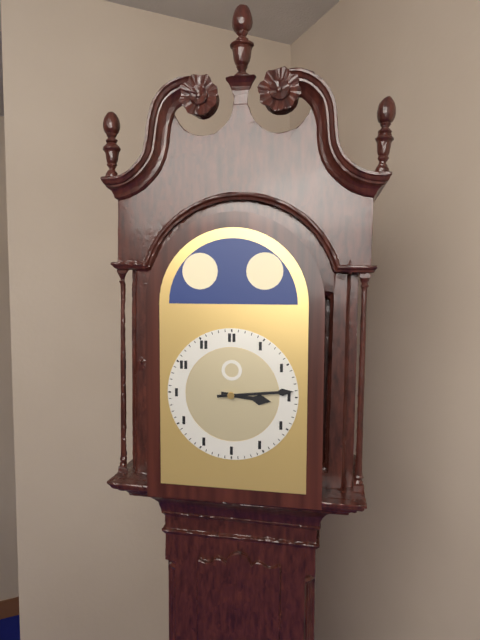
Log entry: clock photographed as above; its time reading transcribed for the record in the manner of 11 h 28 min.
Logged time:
3 h 14 min
